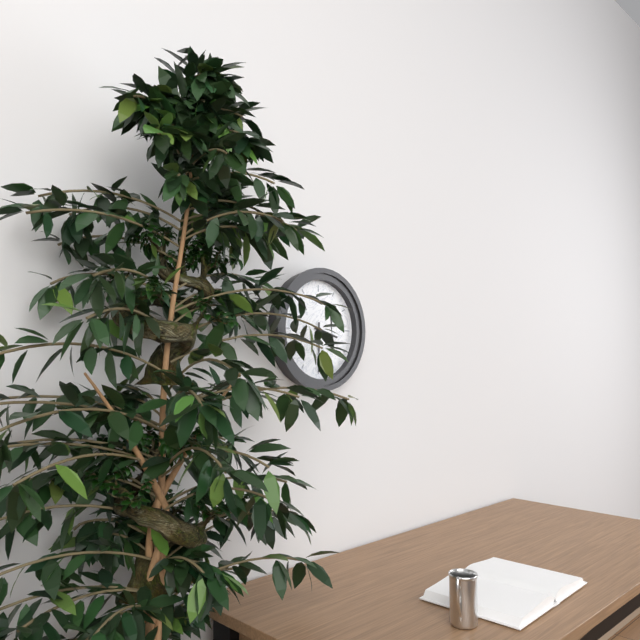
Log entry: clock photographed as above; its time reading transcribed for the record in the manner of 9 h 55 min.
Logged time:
3 h 30 min
